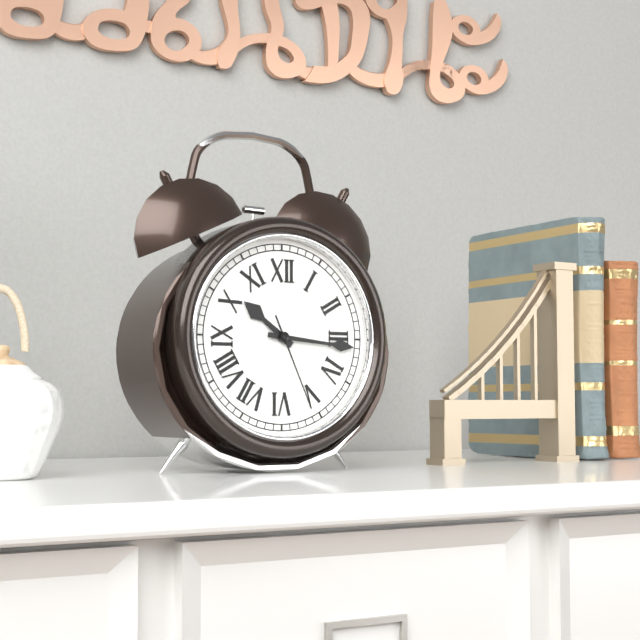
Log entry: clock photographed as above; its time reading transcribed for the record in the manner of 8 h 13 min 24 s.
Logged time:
10 h 16 min 26 s
